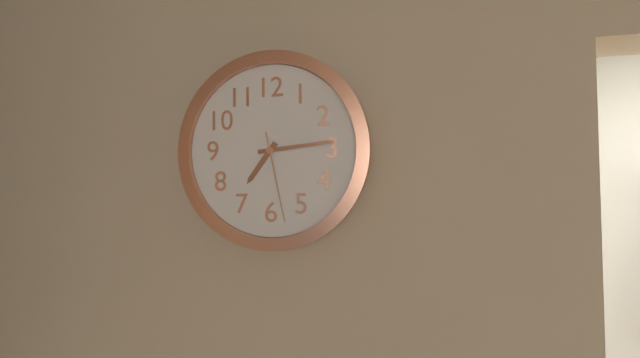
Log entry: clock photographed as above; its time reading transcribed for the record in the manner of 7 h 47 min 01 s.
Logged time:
7 h 14 min 28 s
